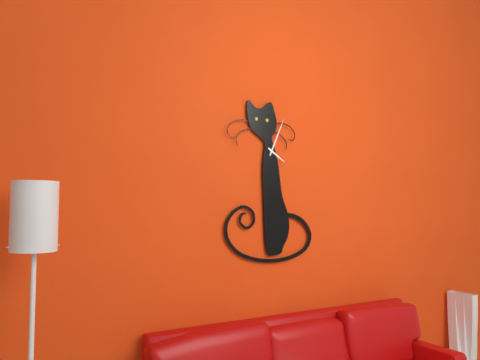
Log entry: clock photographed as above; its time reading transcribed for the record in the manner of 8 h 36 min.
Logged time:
4 h 04 min
